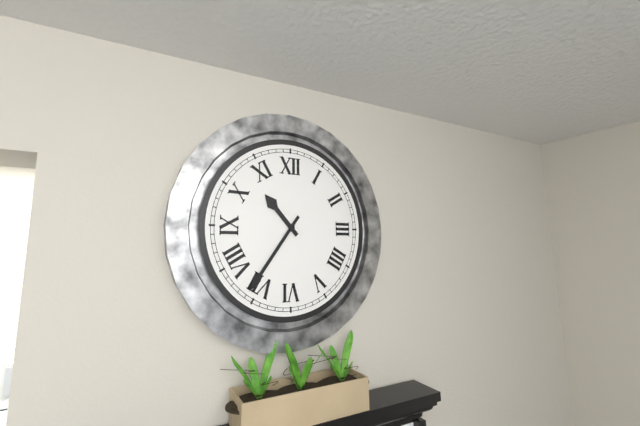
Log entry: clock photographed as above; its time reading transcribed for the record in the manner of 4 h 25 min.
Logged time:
10 h 36 min
